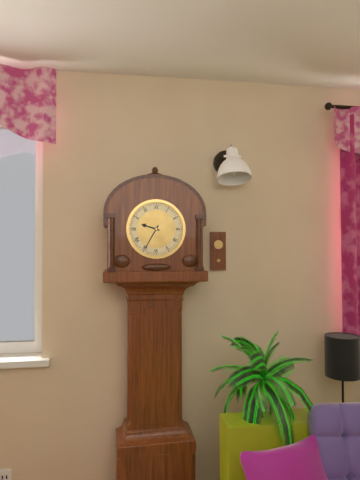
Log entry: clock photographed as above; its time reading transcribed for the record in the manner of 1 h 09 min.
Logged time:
9 h 35 min
